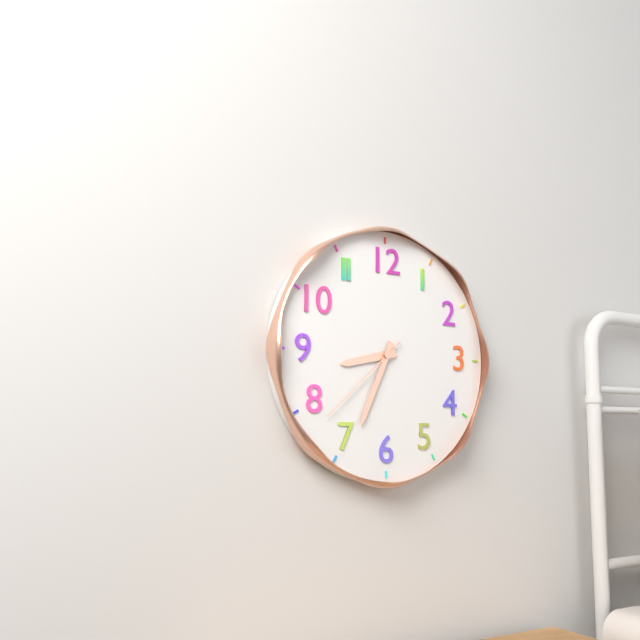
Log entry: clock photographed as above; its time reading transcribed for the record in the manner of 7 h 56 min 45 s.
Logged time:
8 h 34 min 38 s
